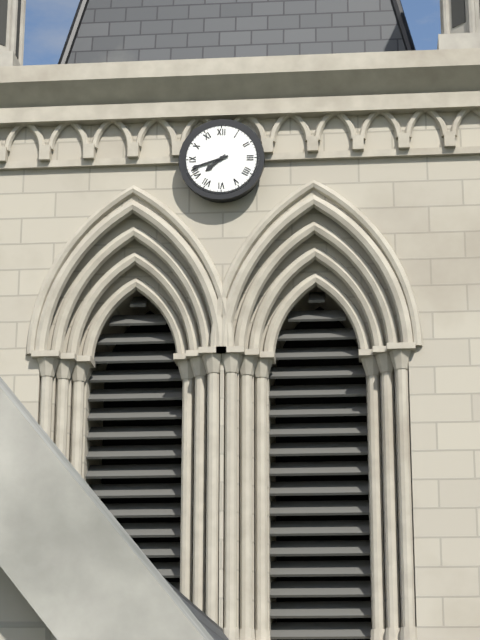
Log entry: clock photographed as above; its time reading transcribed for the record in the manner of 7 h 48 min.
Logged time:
7 h 42 min
